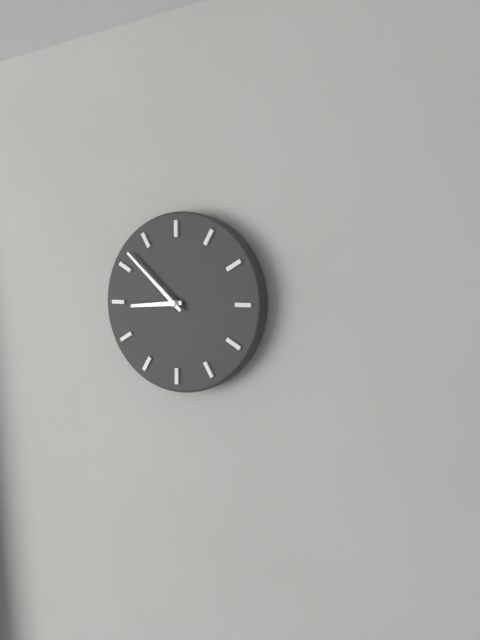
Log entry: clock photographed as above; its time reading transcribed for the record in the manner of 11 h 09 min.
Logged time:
8 h 52 min
